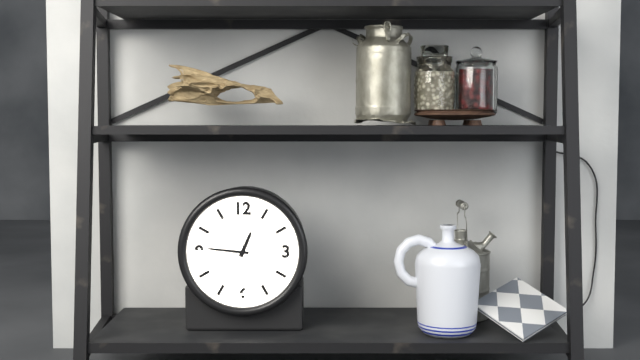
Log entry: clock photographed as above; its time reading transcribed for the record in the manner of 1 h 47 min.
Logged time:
12 h 46 min
